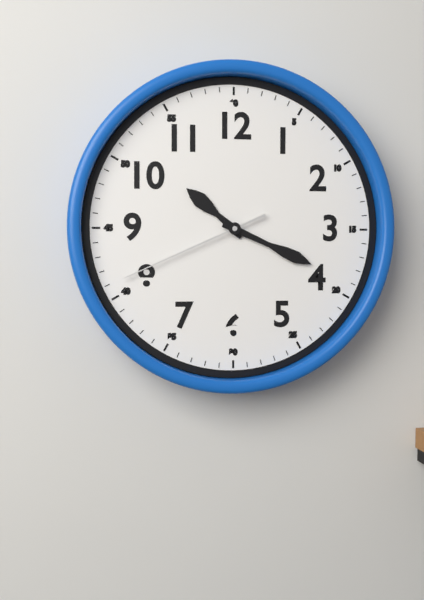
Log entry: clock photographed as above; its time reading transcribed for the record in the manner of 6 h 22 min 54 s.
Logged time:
10 h 19 min 41 s
